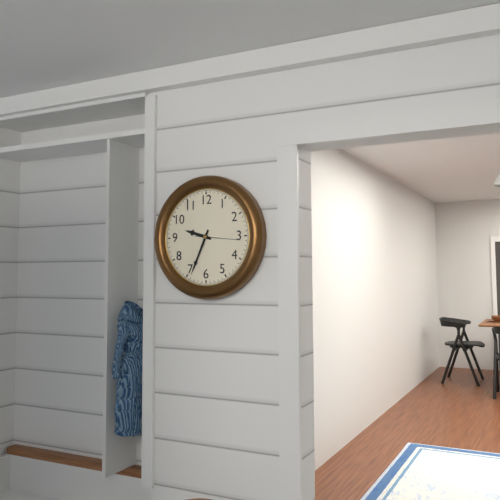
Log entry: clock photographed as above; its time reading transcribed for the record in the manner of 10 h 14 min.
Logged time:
9 h 34 min
